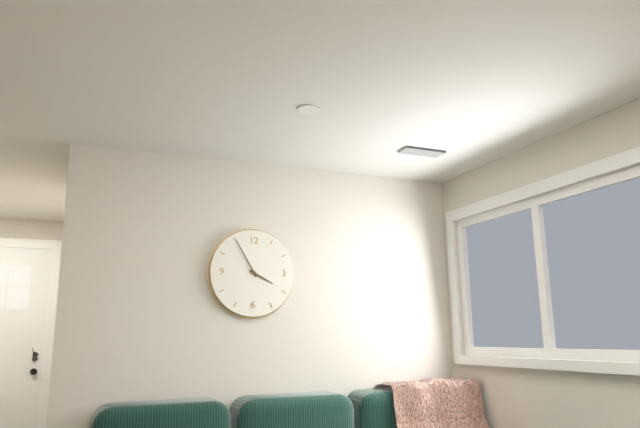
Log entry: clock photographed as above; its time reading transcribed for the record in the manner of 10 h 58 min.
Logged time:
3 h 55 min
